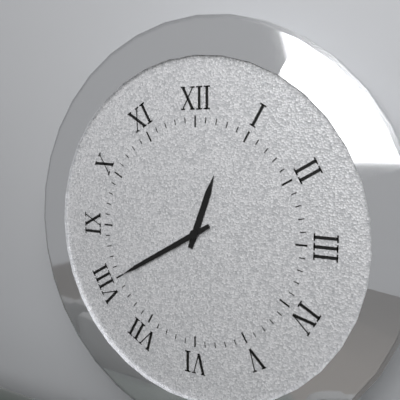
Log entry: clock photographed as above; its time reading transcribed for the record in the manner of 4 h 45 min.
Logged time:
12 h 40 min
